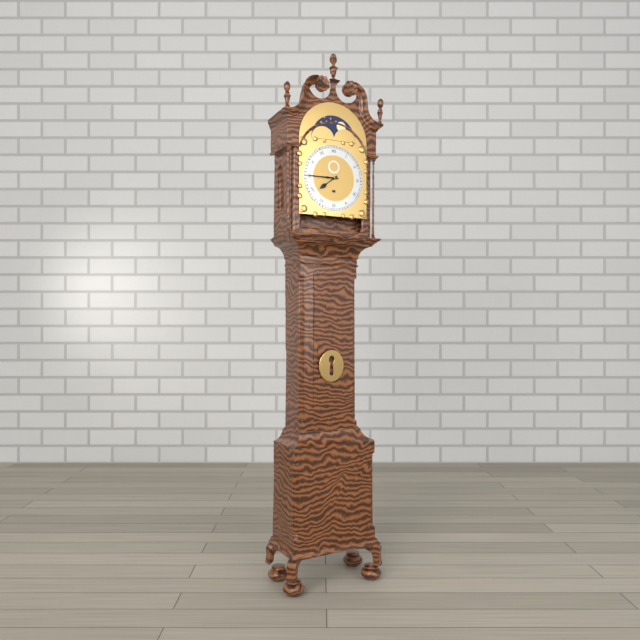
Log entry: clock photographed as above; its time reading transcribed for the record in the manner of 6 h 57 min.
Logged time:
7 h 45 min
